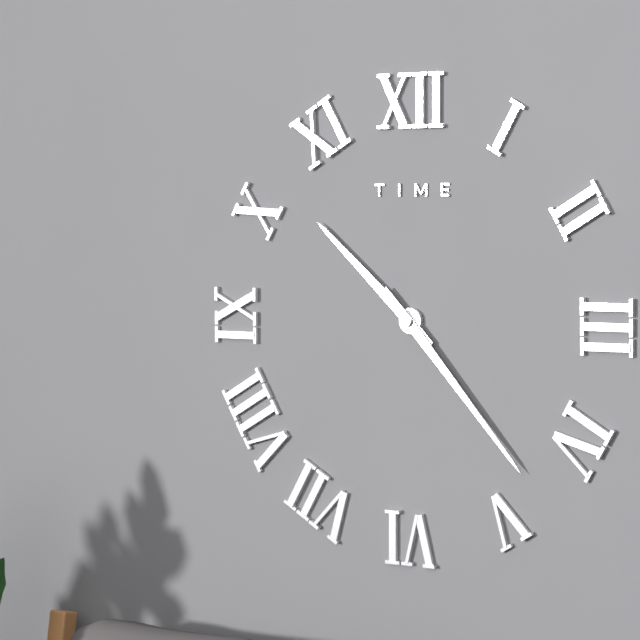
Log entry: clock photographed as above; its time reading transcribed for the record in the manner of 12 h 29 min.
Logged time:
10 h 23 min
